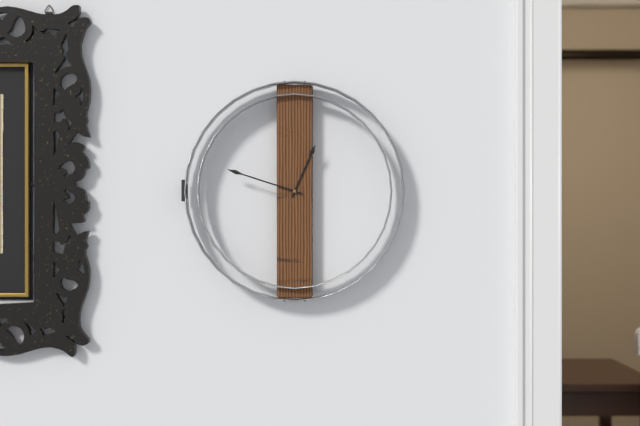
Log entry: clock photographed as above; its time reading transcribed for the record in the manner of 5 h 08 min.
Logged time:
12 h 48 min
